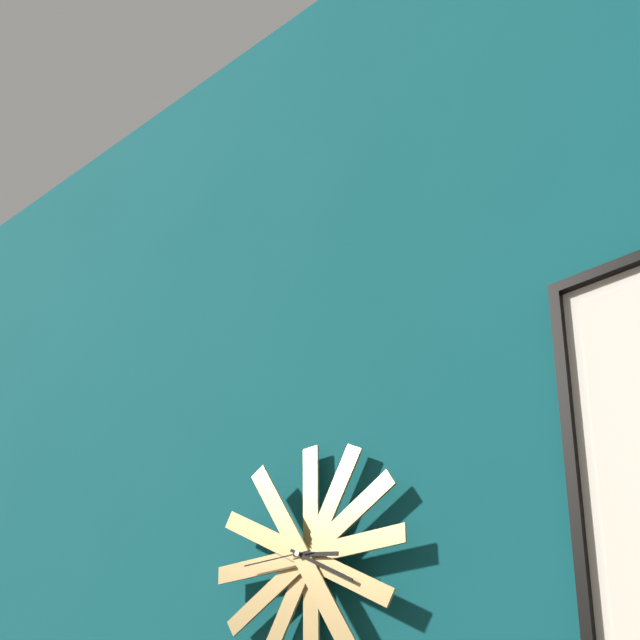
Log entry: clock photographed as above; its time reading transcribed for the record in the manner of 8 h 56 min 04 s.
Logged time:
3 h 20 min 45 s
